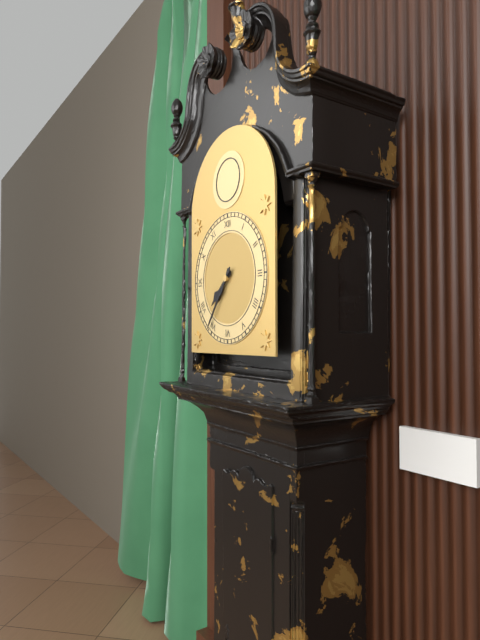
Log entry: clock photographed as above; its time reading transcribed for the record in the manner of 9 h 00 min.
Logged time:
7 h 36 min
